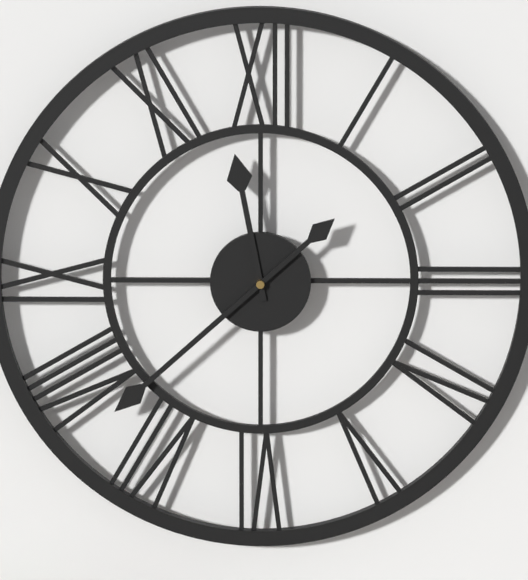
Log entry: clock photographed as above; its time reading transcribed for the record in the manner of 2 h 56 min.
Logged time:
11 h 38 min
